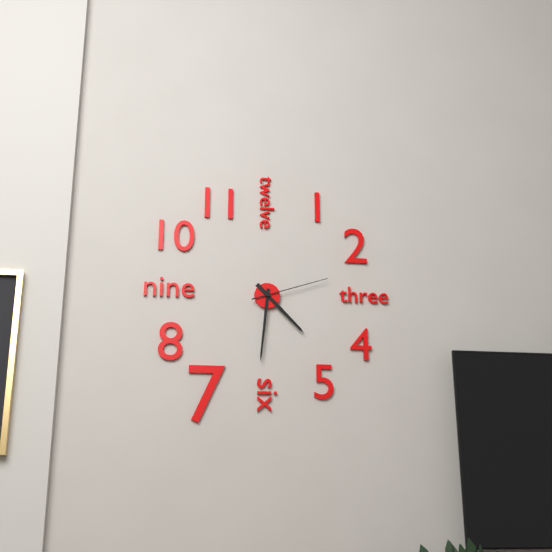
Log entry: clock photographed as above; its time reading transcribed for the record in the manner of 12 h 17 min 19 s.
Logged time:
4 h 31 min 12 s
